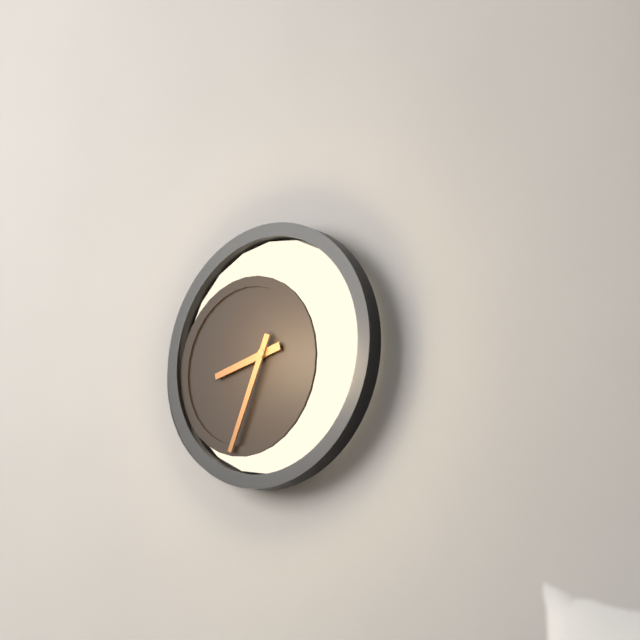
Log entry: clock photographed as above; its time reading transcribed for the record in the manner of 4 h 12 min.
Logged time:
8 h 34 min
